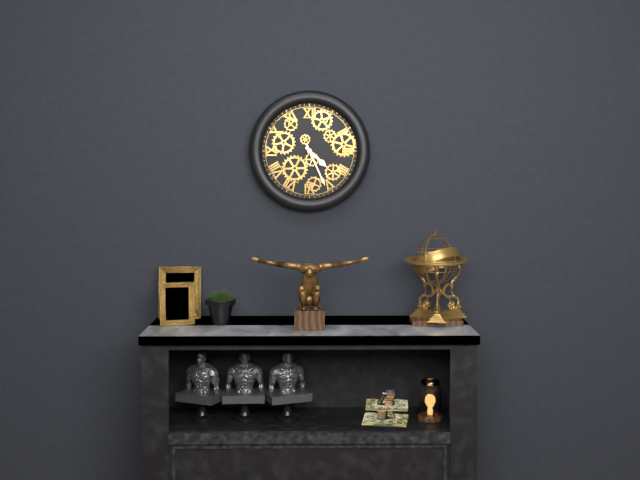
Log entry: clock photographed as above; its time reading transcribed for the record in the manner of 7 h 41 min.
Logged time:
4 h 26 min
